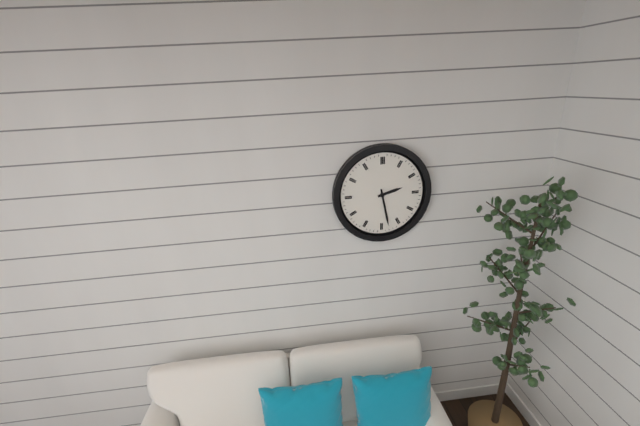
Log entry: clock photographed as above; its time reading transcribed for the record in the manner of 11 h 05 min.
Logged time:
2 h 28 min
